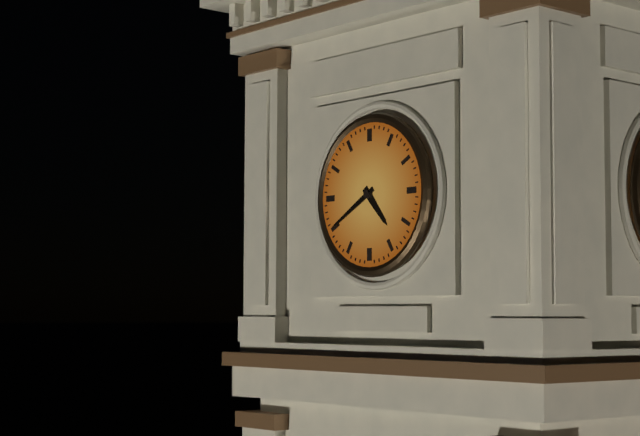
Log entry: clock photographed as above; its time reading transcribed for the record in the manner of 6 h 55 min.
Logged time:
4 h 40 min
